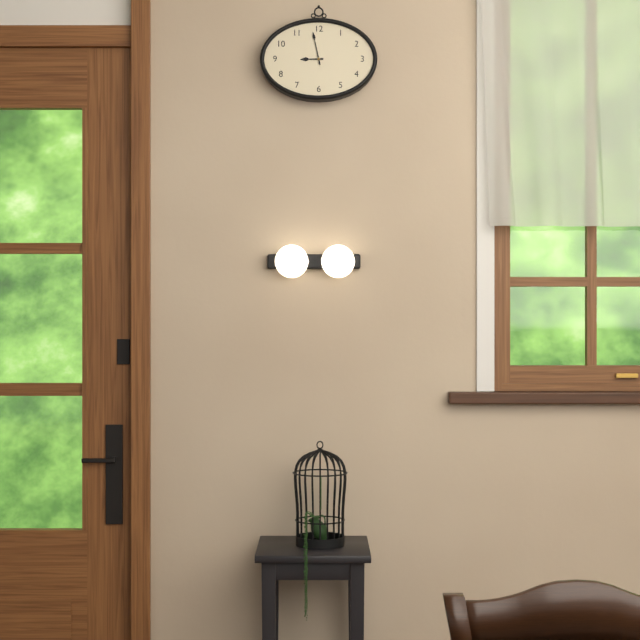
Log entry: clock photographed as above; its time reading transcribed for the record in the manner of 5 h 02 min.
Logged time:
8 h 58 min
